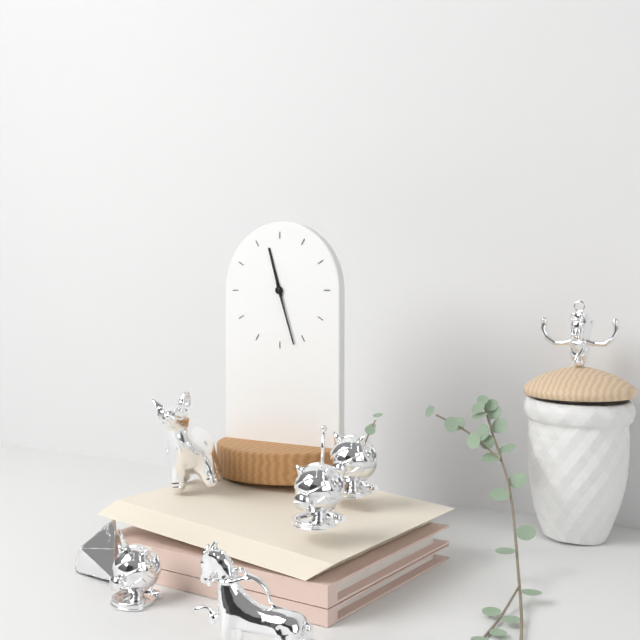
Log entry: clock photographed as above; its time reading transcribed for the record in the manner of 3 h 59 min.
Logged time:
11 h 27 min
